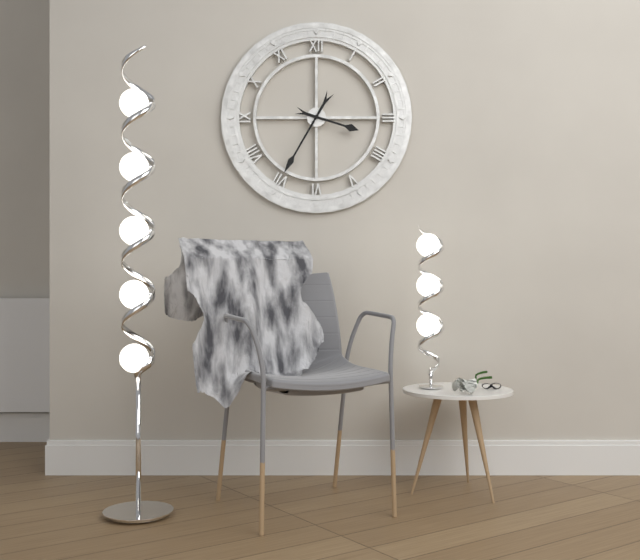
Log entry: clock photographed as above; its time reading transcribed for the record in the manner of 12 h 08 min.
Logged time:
3 h 35 min
